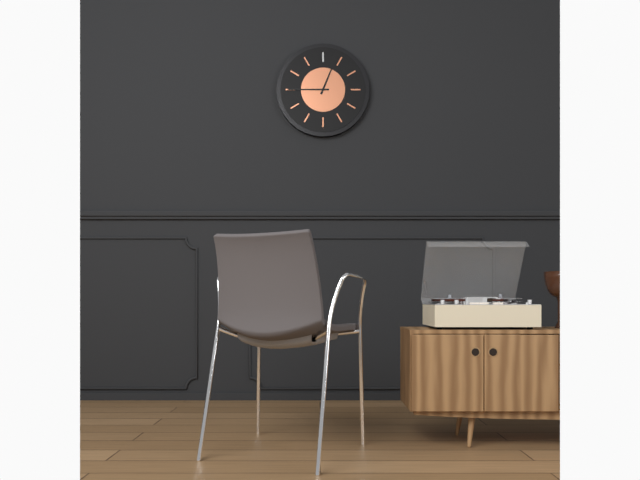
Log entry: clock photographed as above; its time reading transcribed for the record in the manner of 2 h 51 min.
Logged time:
12 h 45 min
